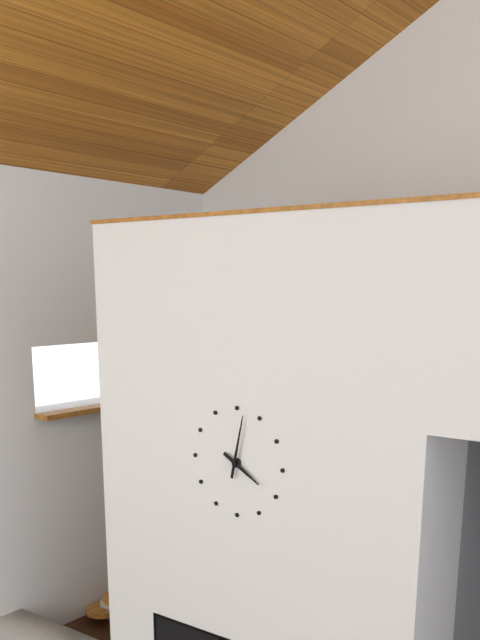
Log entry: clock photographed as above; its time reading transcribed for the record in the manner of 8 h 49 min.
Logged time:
4 h 02 min
